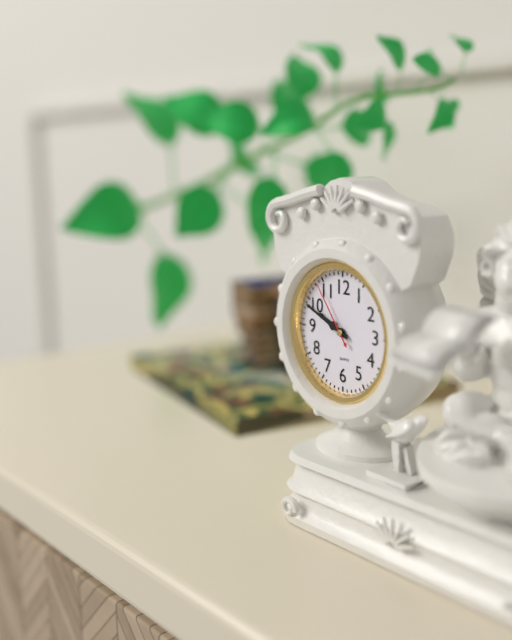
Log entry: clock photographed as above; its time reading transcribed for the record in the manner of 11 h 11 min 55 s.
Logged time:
9 h 49 min 54 s
